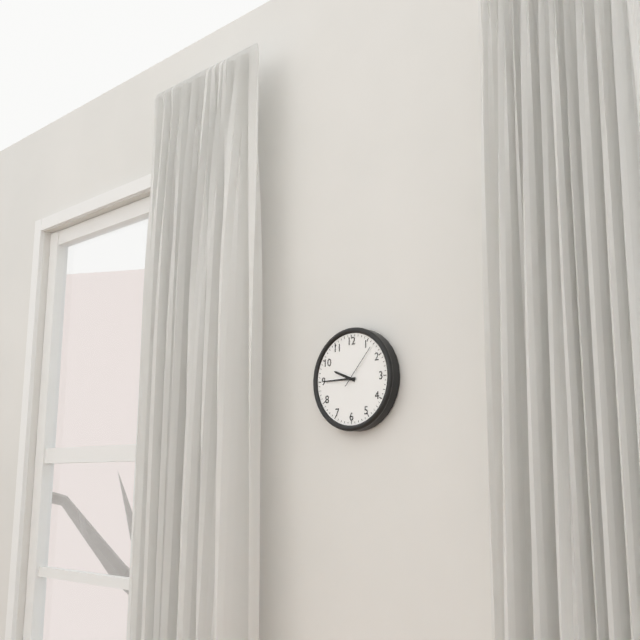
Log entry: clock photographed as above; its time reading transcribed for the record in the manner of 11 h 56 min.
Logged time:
9 h 45 min
